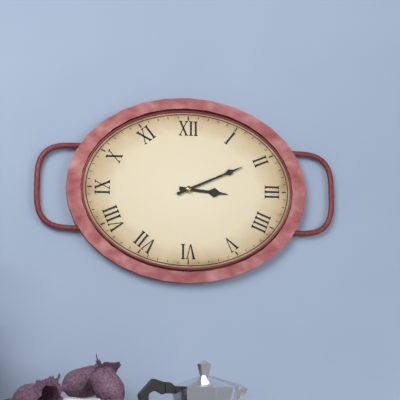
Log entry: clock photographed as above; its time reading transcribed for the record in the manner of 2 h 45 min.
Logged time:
3 h 11 min
